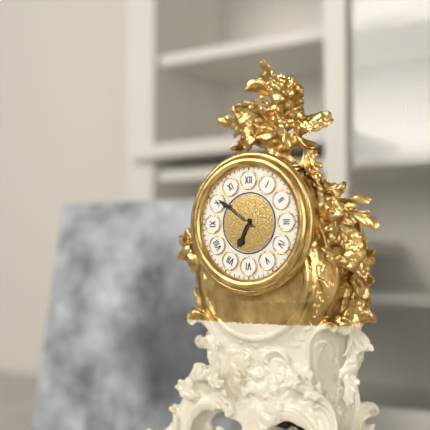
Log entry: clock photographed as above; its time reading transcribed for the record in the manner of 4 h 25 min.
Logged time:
6 h 51 min
